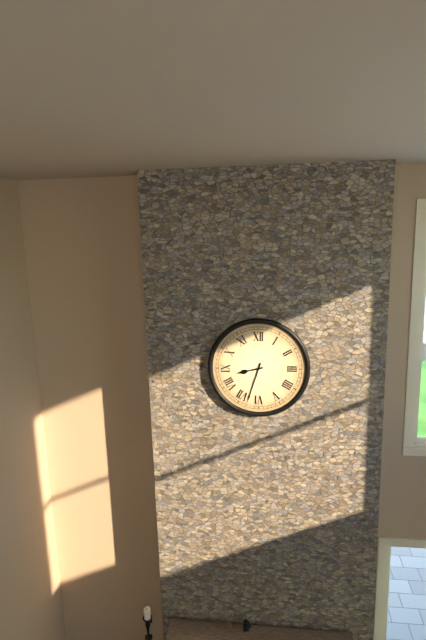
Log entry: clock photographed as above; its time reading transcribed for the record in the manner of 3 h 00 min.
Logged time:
8 h 33 min
